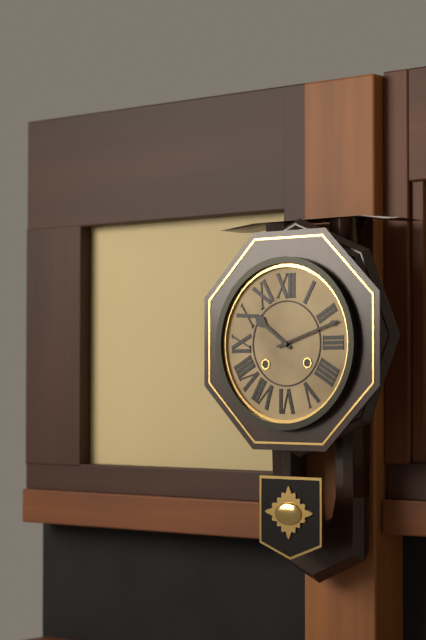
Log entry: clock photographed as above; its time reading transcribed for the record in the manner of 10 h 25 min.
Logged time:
10 h 12 min
